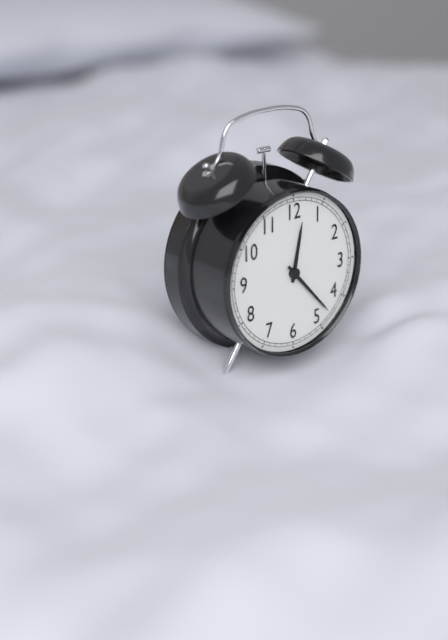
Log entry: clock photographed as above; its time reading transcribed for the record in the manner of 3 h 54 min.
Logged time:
12 h 23 min
